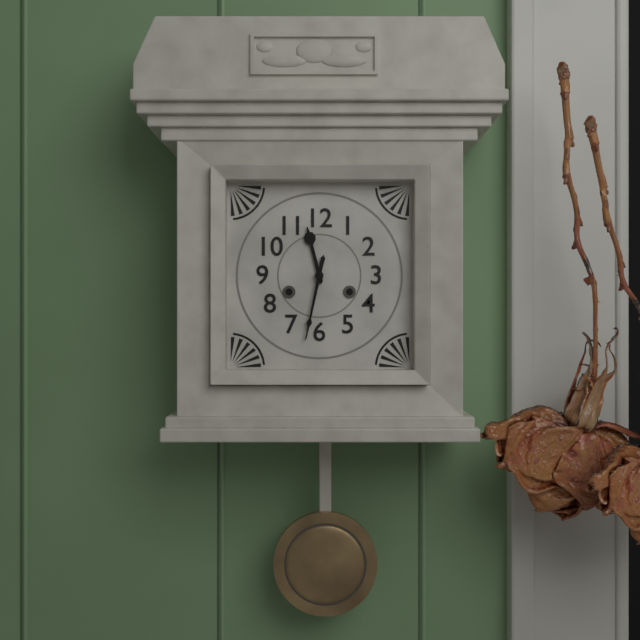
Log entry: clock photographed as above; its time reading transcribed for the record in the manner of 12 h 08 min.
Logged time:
11 h 32 min
